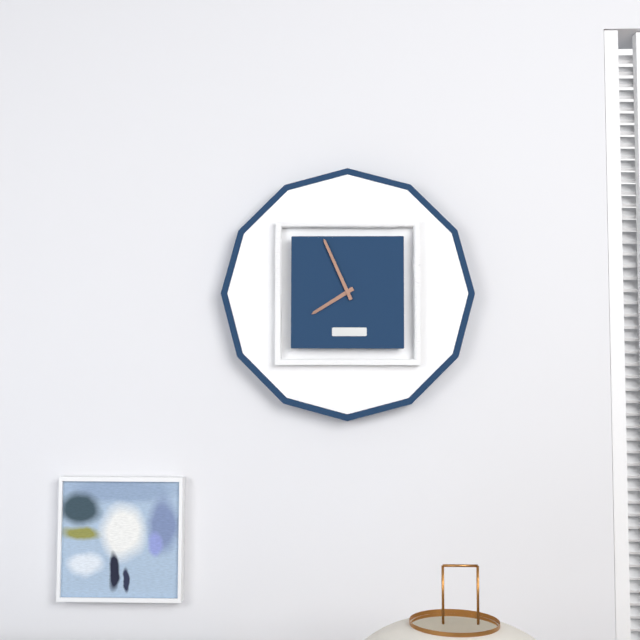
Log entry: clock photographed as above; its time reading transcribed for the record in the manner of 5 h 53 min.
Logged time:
7 h 56 min
